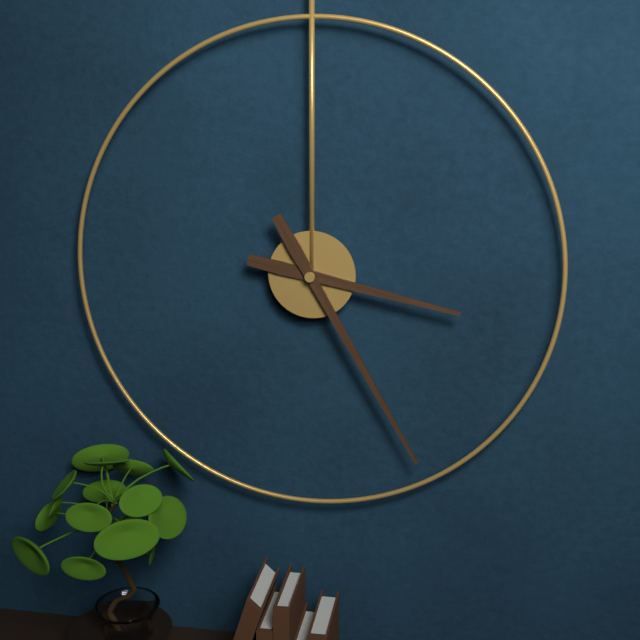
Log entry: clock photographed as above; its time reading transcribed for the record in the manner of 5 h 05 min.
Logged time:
3 h 25 min
